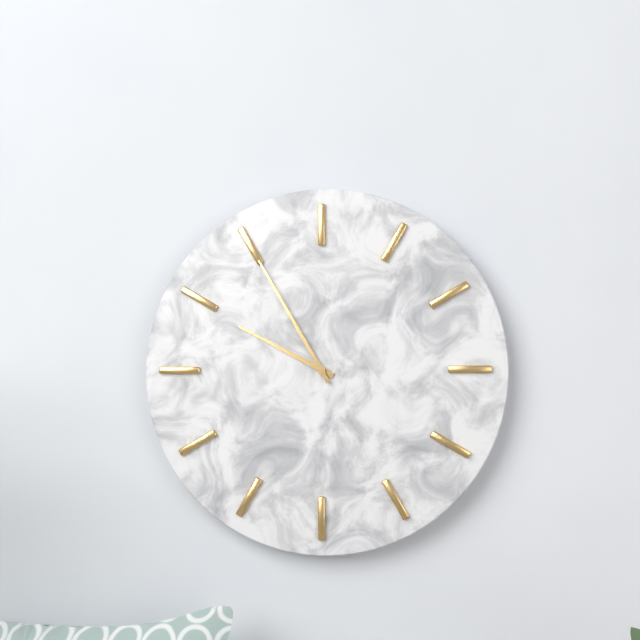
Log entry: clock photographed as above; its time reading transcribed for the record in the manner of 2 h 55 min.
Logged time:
9 h 55 min
